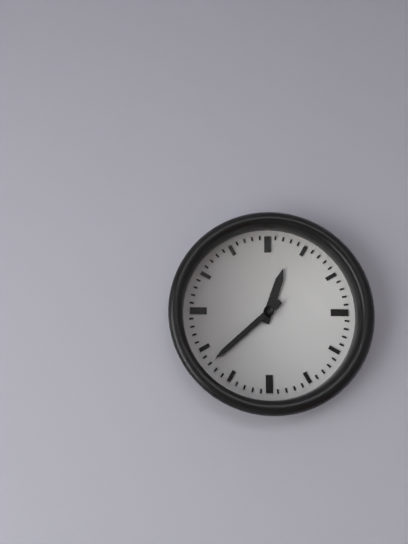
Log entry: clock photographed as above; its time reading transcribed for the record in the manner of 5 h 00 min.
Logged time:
12 h 38 min
